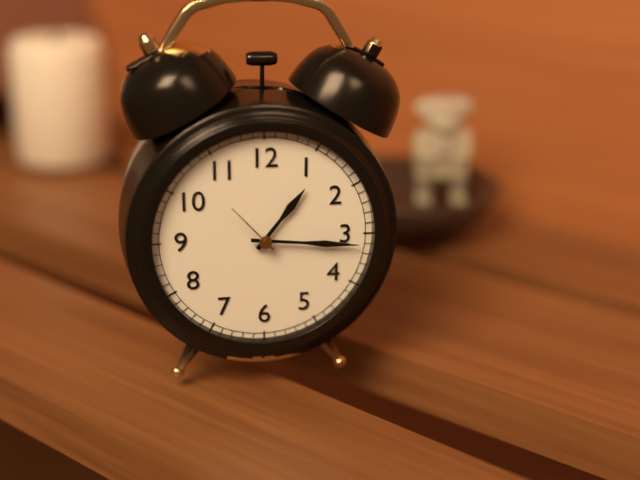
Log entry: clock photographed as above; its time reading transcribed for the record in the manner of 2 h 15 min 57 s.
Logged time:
1 h 16 min 53 s
